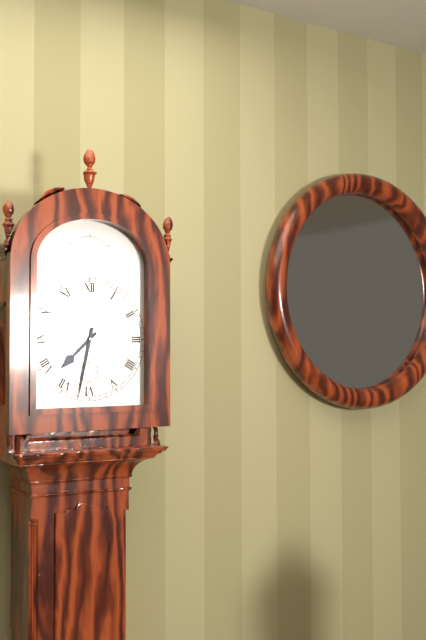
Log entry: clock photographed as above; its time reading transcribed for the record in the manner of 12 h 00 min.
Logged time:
7 h 32 min
